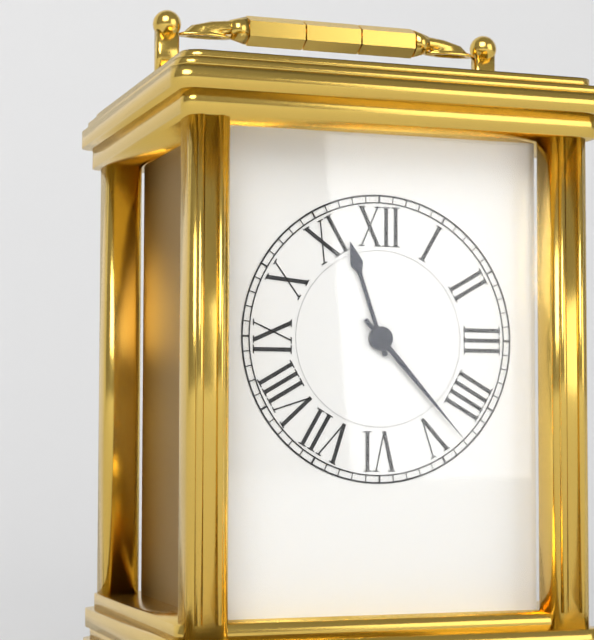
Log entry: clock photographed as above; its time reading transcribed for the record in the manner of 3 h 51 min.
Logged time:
11 h 23 min
